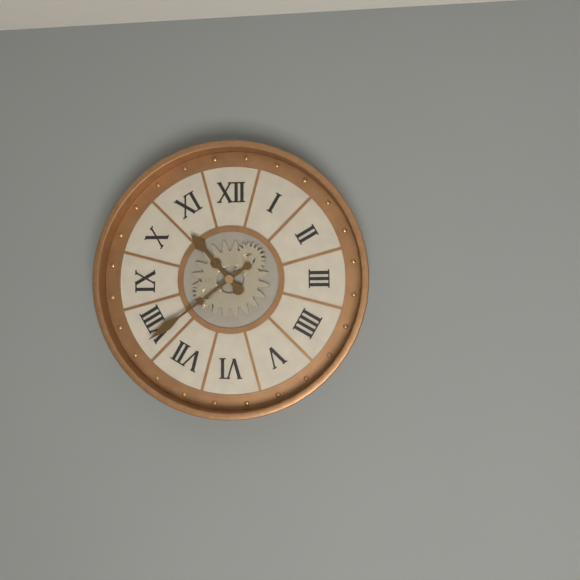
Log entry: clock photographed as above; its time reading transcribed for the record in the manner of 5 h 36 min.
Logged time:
10 h 39 min
